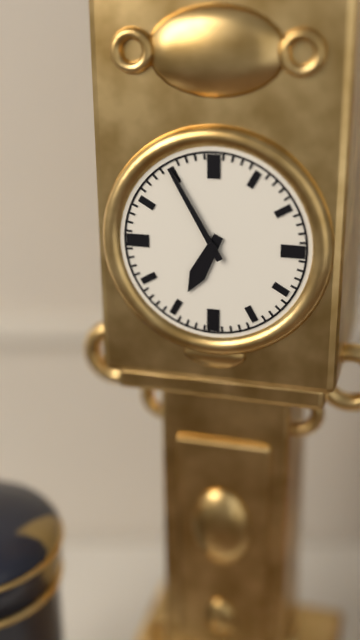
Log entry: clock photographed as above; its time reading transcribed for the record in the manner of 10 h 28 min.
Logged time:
6 h 55 min
